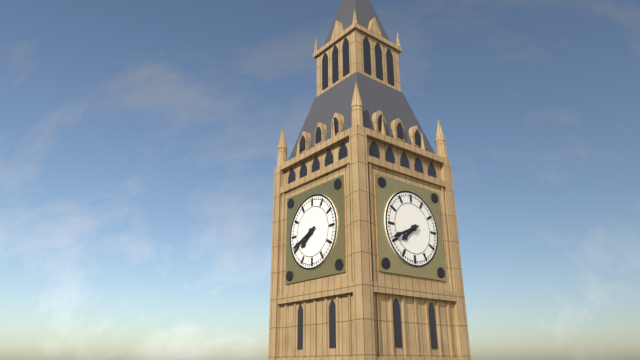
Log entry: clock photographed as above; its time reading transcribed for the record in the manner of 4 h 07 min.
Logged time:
7 h 41 min
